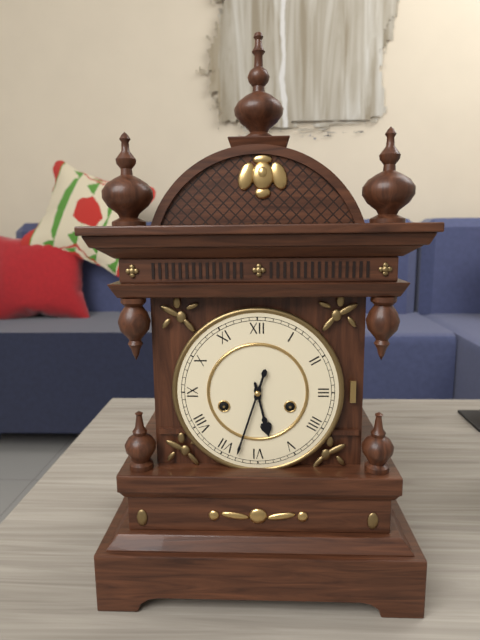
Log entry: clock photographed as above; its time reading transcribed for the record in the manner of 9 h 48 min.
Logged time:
5 h 33 min
